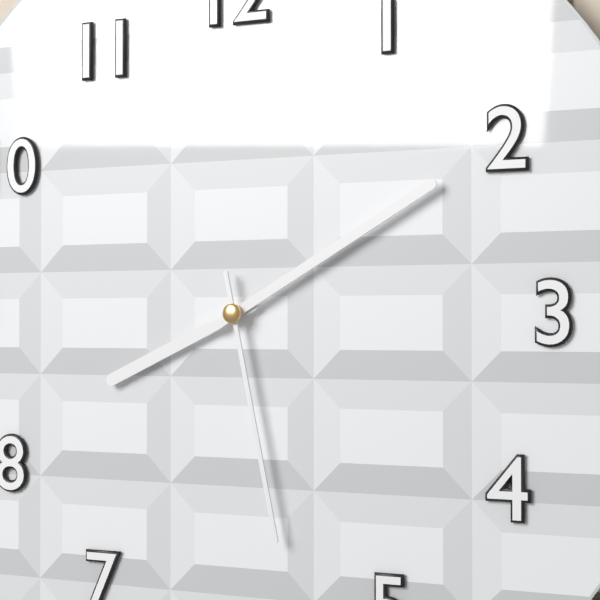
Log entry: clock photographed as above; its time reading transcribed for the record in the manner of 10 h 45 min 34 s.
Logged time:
8 h 10 min 28 s
